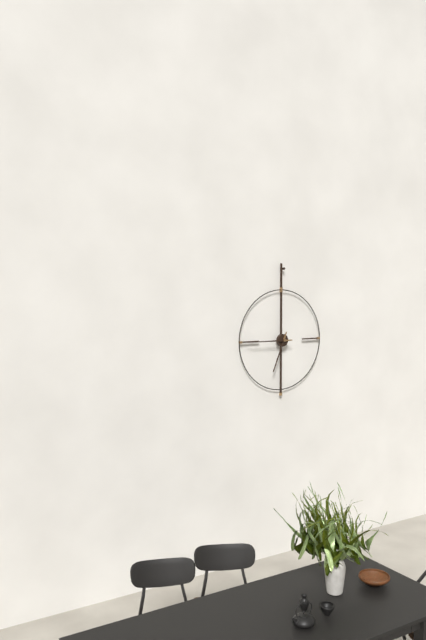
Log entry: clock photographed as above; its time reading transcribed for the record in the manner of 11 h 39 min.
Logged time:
6 h 45 min
